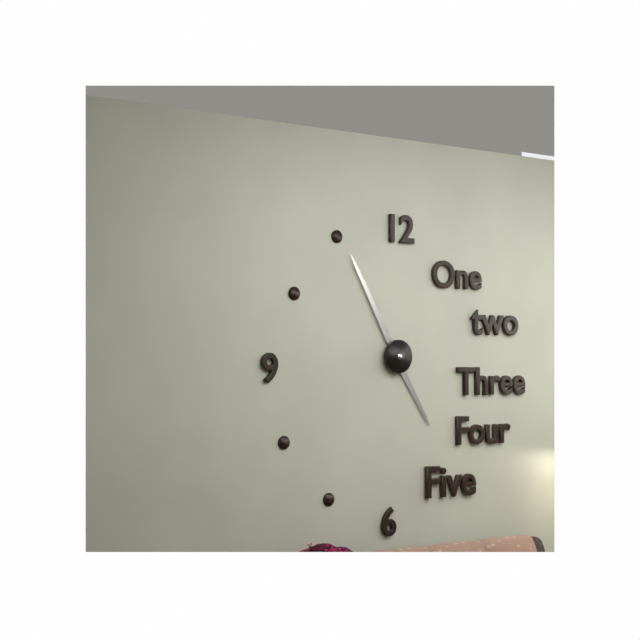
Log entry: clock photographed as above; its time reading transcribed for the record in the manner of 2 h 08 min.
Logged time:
4 h 55 min
